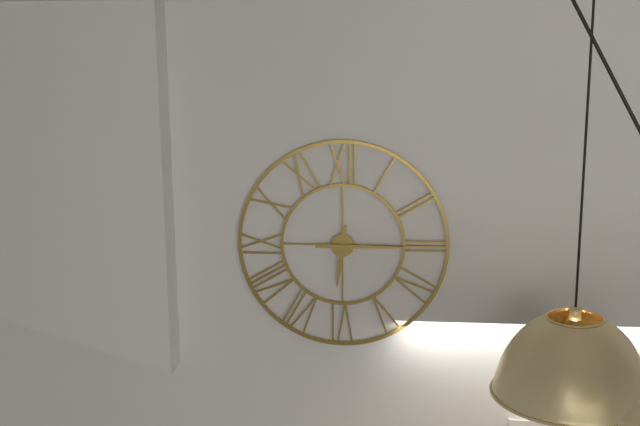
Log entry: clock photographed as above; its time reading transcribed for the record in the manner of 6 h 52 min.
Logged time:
6 h 15 min
